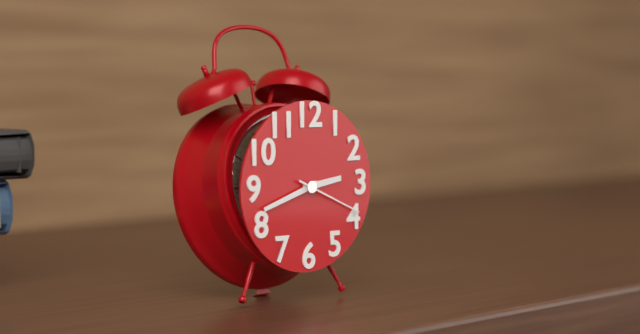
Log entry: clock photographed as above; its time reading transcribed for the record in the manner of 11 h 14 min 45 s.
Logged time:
2 h 42 min 19 s
